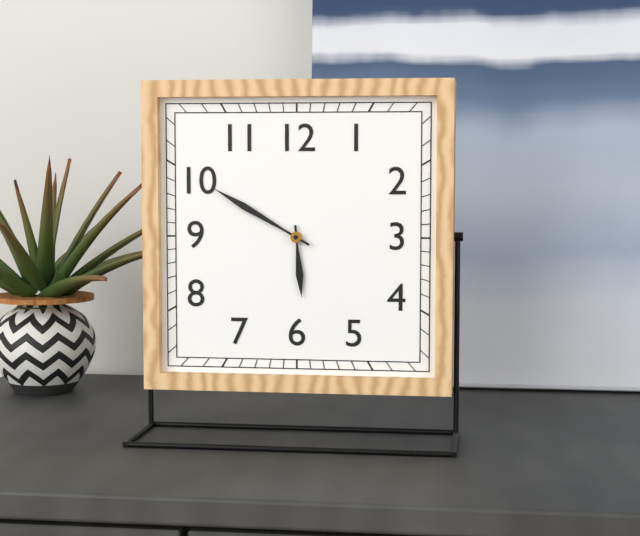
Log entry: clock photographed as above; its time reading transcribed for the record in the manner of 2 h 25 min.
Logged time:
5 h 50 min
